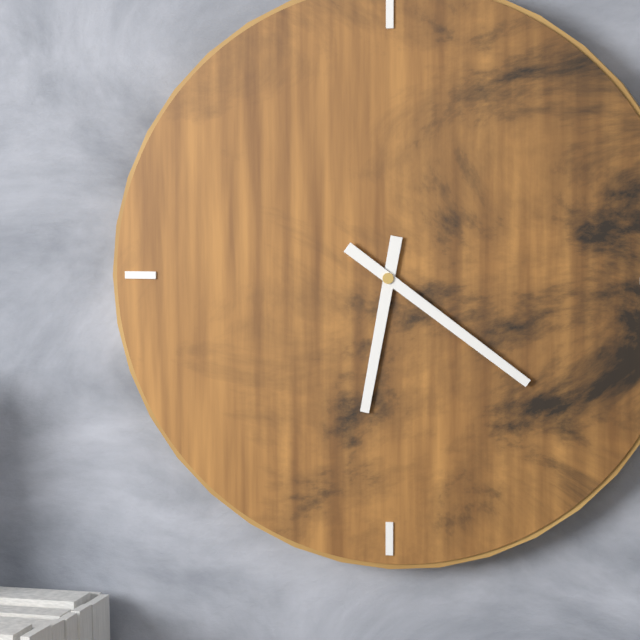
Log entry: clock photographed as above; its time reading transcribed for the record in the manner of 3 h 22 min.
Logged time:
6 h 21 min
